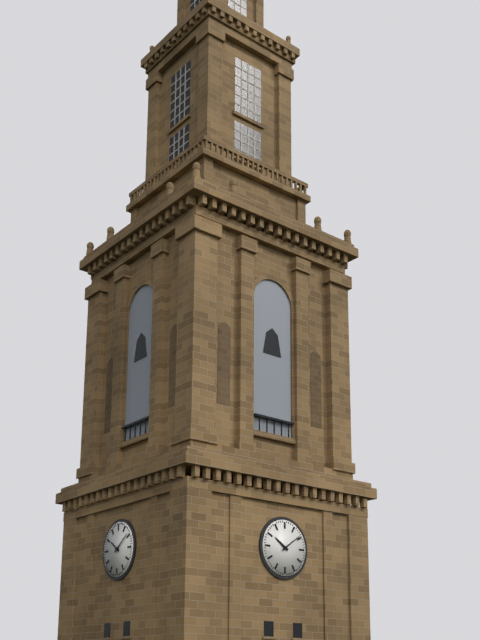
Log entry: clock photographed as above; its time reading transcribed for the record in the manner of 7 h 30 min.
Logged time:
10 h 09 min
